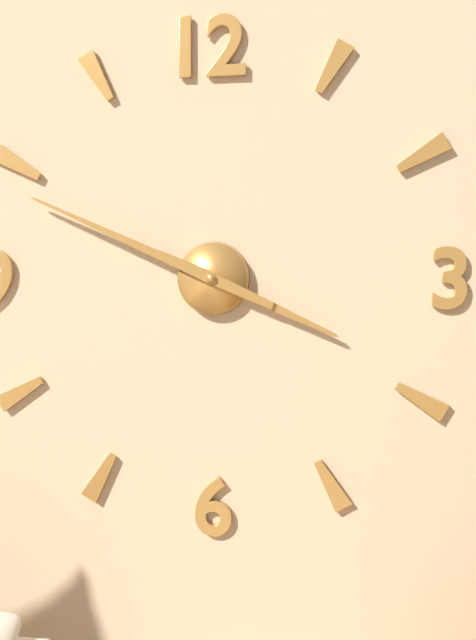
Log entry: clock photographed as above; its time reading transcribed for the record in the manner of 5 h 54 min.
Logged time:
3 h 49 min
